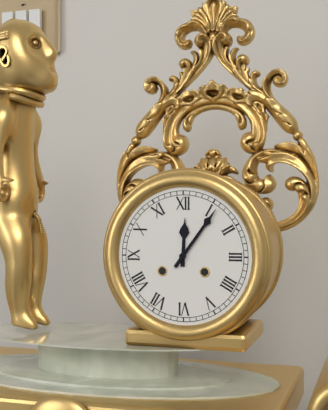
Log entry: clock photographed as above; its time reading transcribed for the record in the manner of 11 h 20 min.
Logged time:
12 h 06 min
